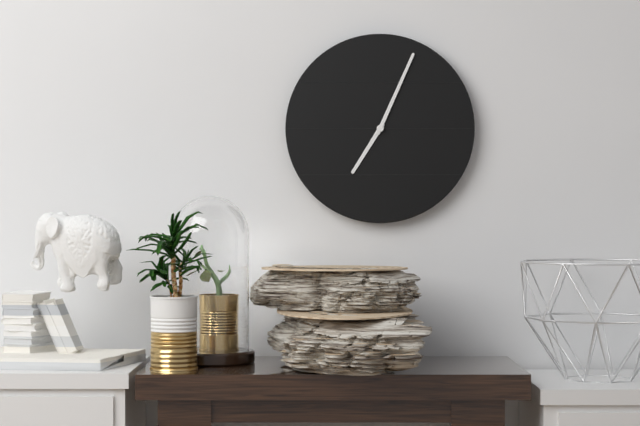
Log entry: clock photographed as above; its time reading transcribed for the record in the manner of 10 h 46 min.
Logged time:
7 h 04 min
